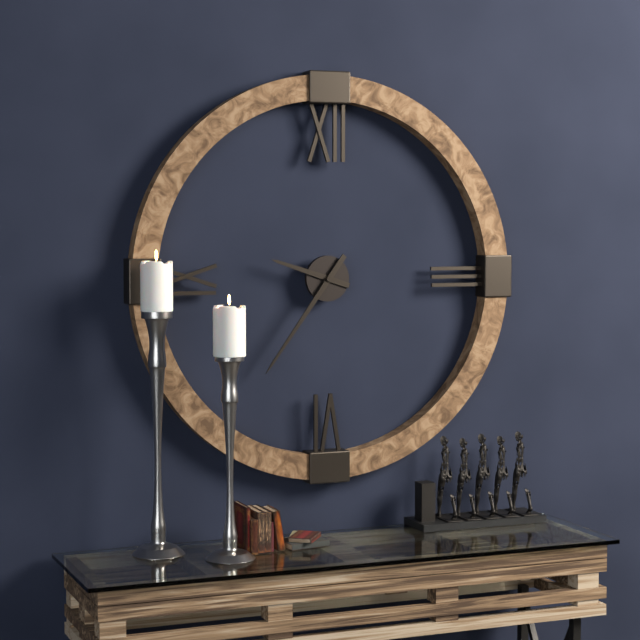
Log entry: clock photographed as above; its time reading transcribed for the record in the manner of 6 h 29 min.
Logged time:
9 h 36 min
